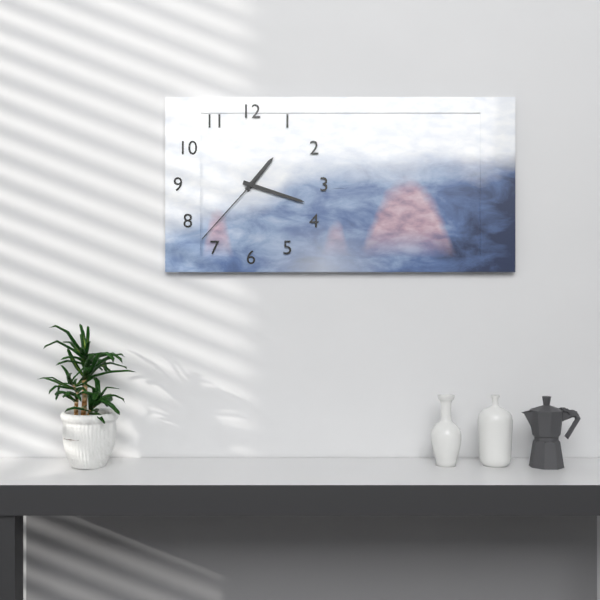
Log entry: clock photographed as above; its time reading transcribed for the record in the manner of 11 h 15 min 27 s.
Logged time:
1 h 18 min 37 s
